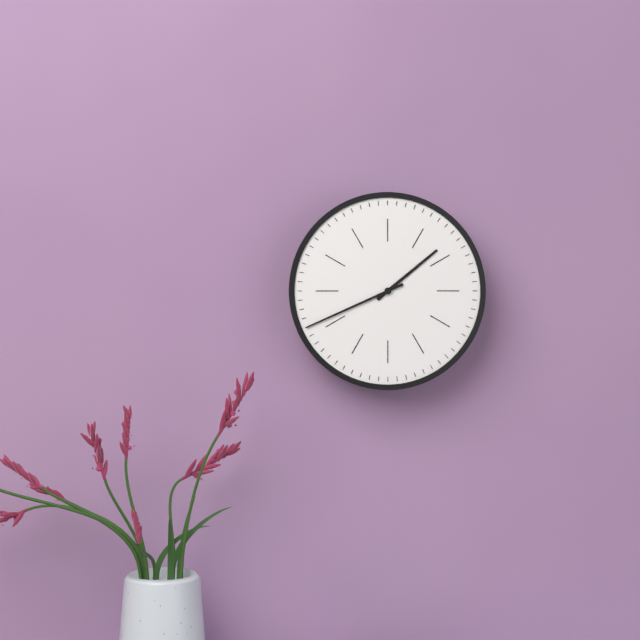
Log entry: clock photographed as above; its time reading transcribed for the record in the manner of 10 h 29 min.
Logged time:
1 h 41 min
